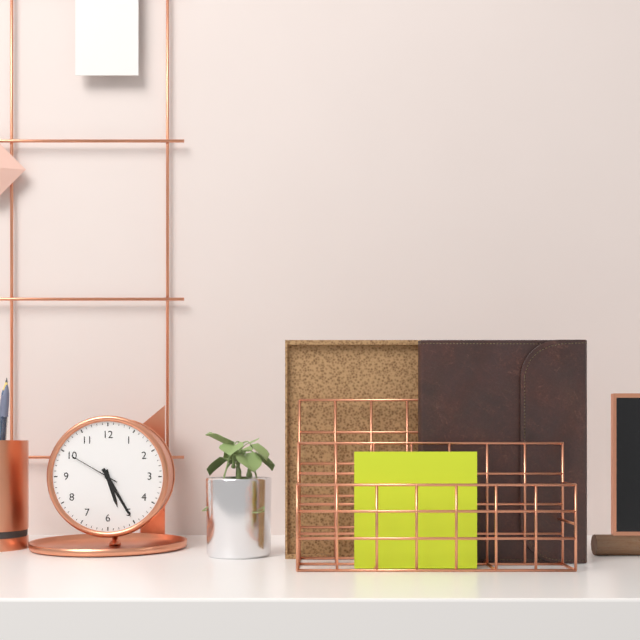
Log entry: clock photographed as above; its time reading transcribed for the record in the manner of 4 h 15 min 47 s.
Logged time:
5 h 25 min 50 s
